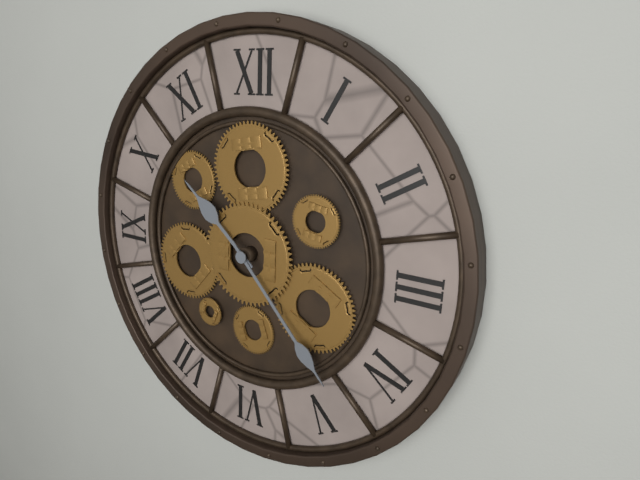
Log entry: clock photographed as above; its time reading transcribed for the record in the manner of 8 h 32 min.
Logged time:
10 h 23 min
